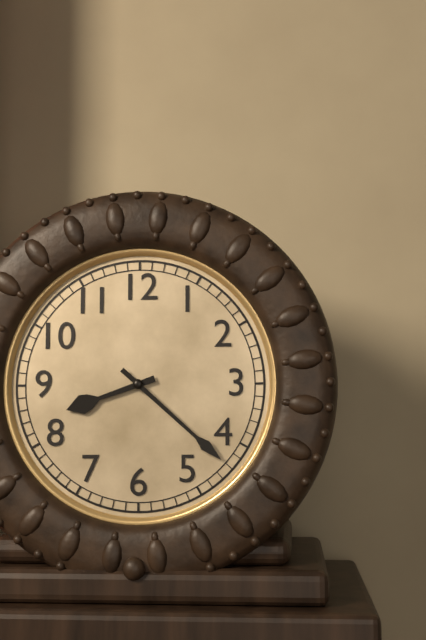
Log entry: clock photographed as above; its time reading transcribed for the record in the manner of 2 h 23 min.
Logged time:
8 h 22 min
